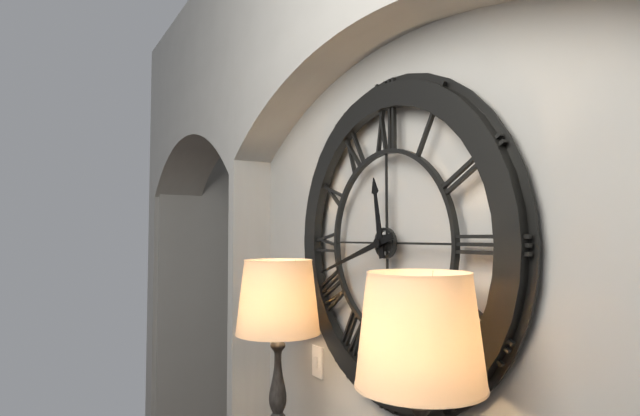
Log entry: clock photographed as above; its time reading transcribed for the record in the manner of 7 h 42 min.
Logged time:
11 h 42 min
